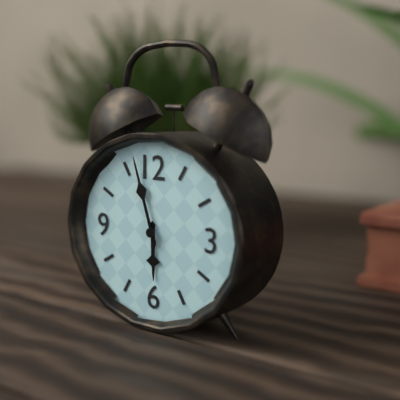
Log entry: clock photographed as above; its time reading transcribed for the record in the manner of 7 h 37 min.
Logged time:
5 h 57 min
